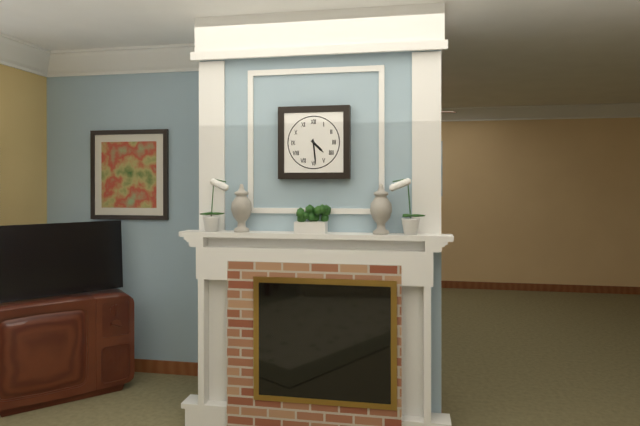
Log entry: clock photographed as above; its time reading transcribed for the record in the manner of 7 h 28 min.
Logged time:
4 h 29 min
